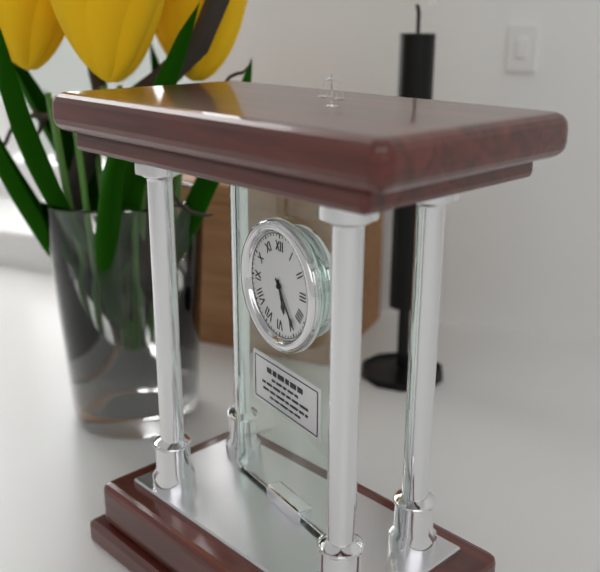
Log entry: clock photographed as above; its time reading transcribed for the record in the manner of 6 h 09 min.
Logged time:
5 h 24 min
